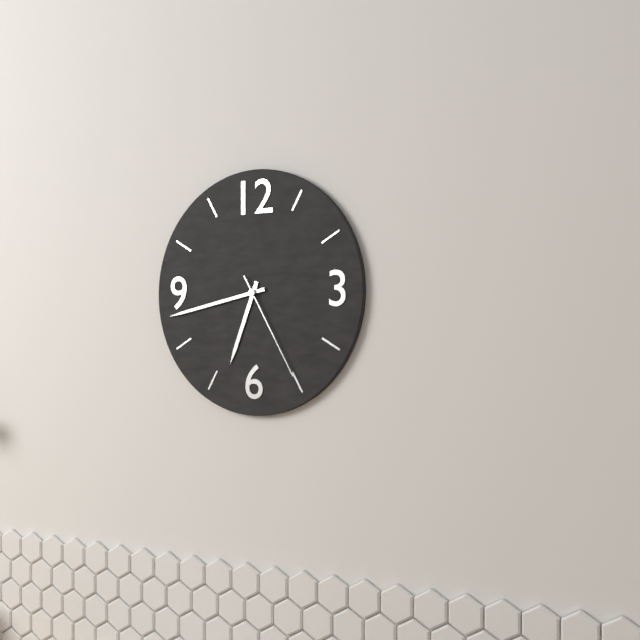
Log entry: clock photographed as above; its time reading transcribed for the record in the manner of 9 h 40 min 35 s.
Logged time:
6 h 43 min 25 s
